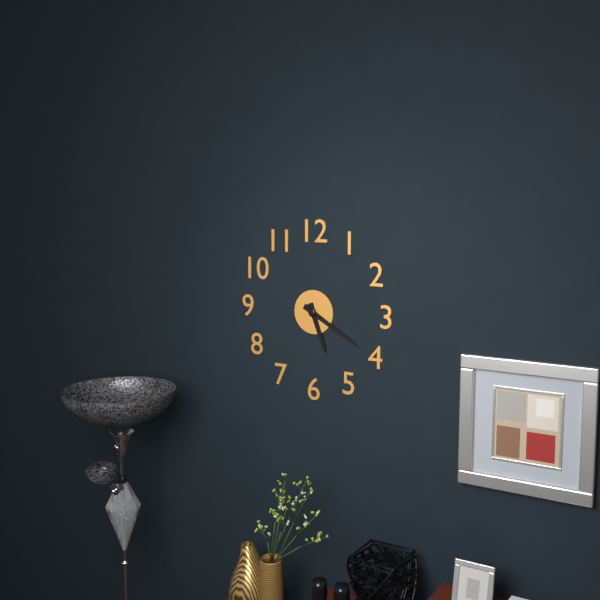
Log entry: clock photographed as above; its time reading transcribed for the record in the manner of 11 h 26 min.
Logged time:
5 h 20 min
